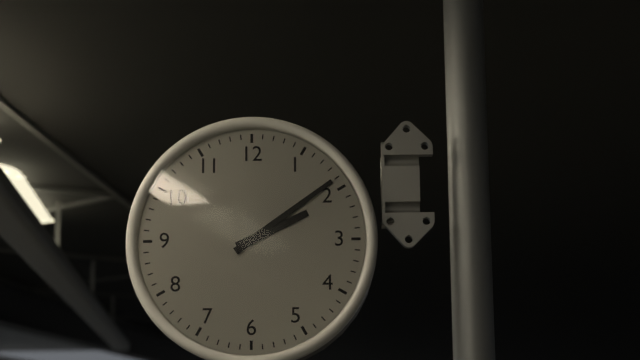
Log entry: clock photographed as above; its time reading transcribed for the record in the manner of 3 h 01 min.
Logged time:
2 h 09 min
